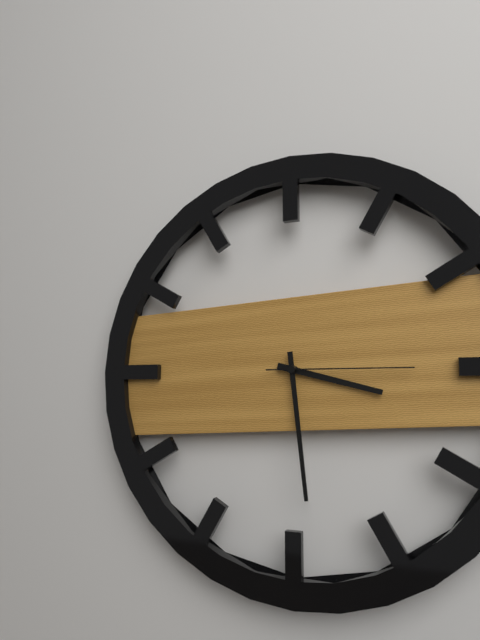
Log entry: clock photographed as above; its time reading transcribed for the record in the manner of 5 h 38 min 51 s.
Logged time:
3 h 29 min 15 s
